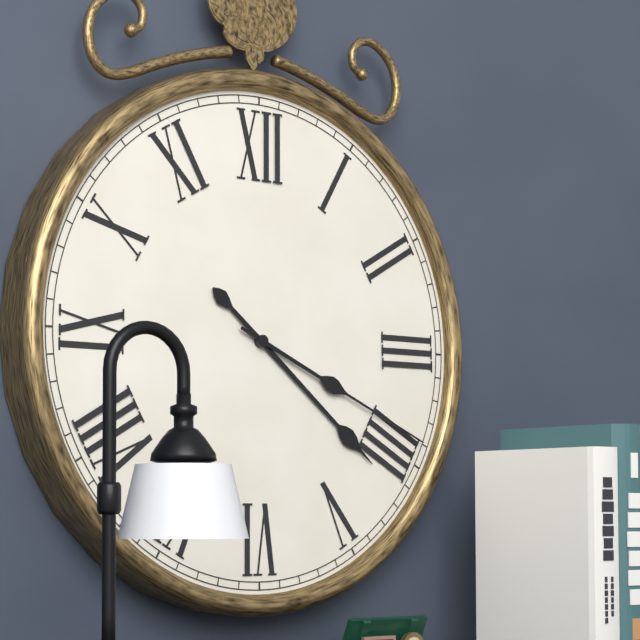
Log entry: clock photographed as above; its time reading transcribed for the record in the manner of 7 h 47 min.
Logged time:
4 h 19 min
